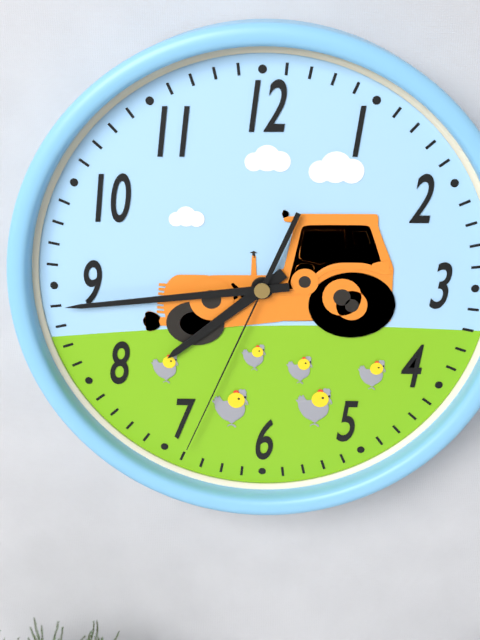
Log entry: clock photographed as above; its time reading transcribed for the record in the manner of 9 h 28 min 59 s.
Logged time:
7 h 44 min 34 s
